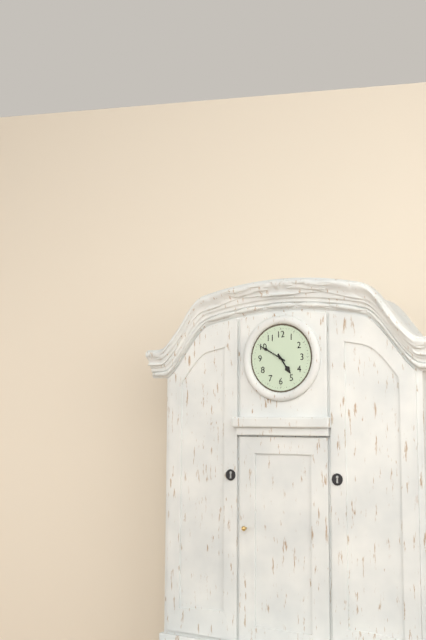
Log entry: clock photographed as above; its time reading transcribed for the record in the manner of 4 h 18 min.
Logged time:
4 h 50 min
